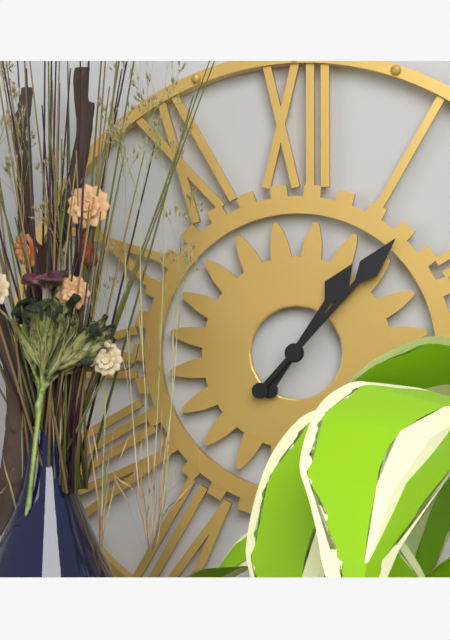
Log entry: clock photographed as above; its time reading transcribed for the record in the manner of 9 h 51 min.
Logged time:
1 h 07 min
